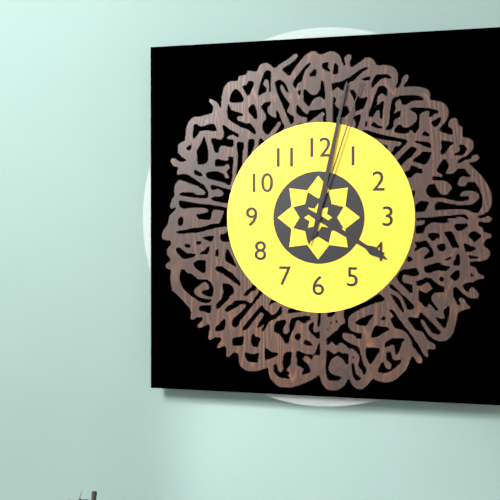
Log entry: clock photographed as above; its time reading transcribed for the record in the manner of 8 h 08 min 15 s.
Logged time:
4 h 02 min 03 s
